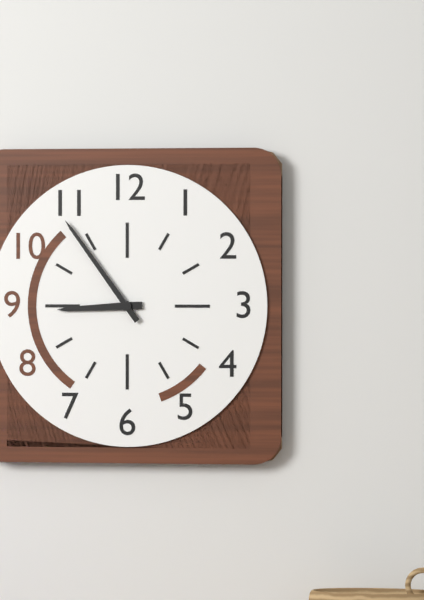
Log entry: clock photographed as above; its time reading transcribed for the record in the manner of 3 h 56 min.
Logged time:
8 h 54 min
